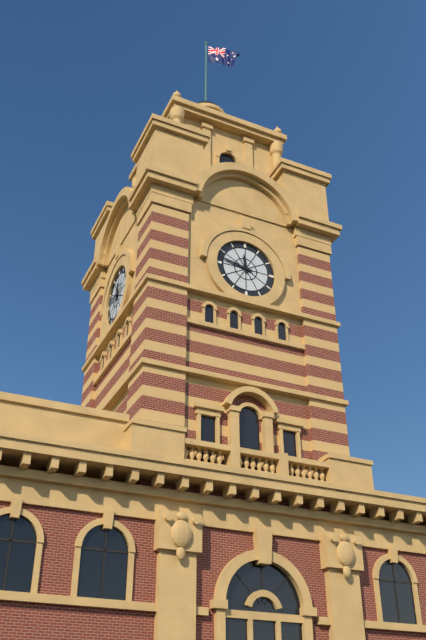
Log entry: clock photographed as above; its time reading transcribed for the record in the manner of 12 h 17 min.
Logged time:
11 h 47 min
